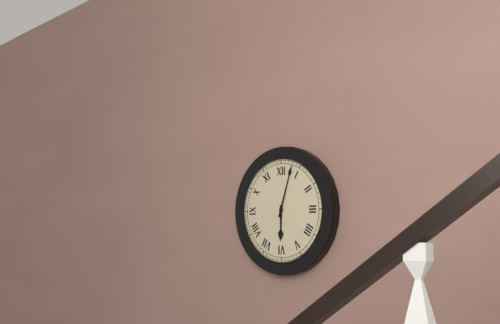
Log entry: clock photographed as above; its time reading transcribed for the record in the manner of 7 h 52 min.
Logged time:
6 h 03 min
